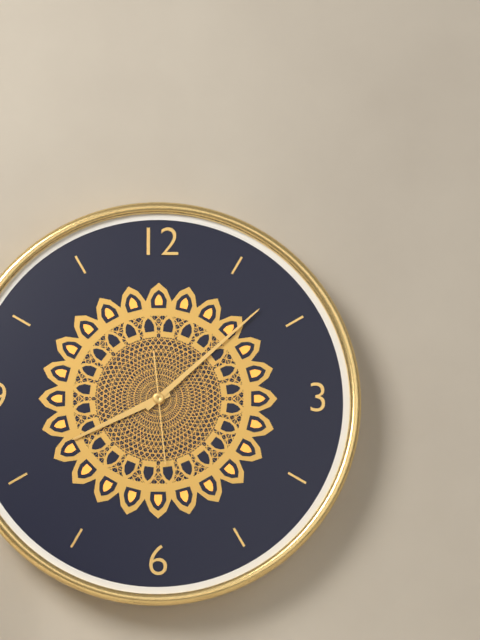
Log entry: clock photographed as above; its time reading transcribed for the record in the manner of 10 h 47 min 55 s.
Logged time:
8 h 08 min 29 s
